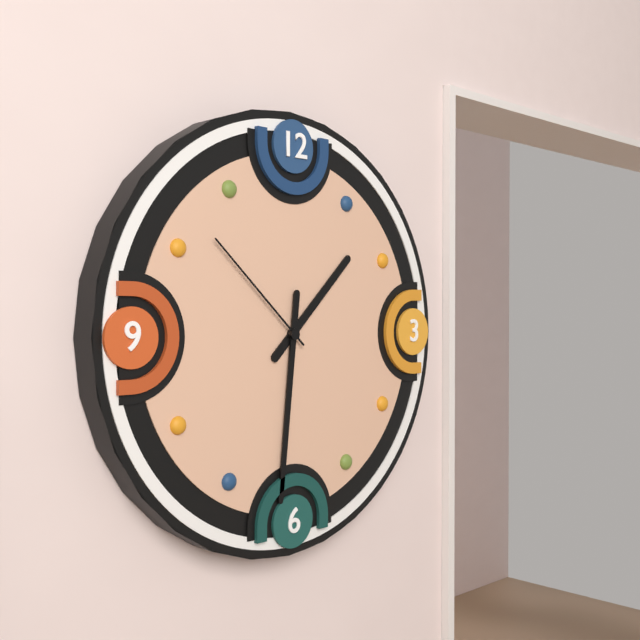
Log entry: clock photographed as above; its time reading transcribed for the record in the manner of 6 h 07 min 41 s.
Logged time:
1 h 31 min 52 s
